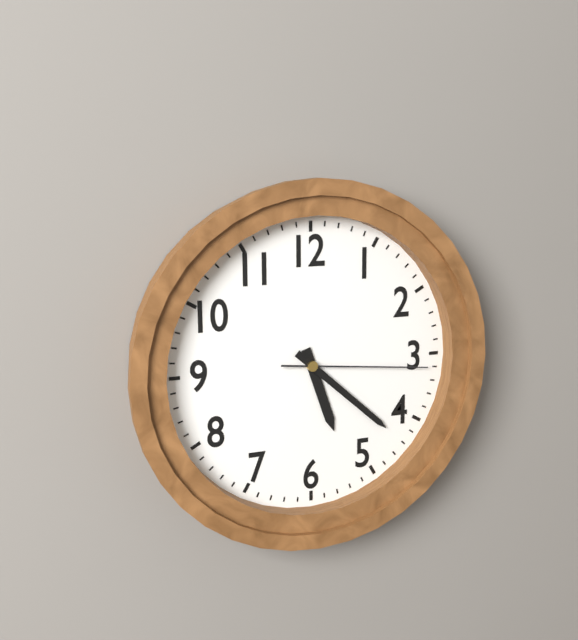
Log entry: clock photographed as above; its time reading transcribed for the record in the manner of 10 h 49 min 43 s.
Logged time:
5 h 22 min 16 s
